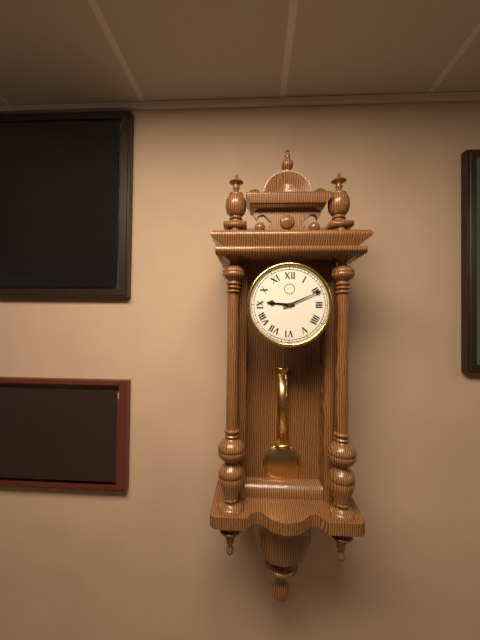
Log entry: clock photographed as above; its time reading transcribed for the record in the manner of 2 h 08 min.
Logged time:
9 h 11 min
